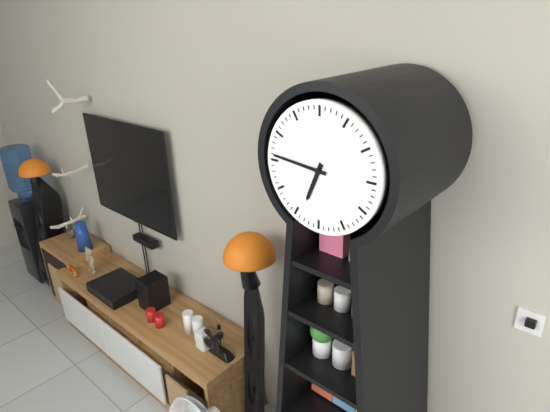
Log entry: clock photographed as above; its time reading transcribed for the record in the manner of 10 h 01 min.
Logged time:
6 h 46 min
